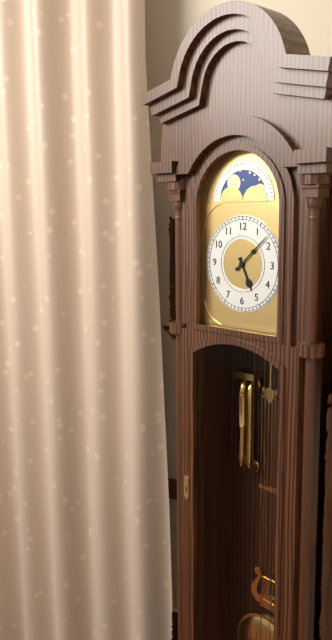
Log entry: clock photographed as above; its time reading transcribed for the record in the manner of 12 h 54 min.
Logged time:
5 h 08 min
